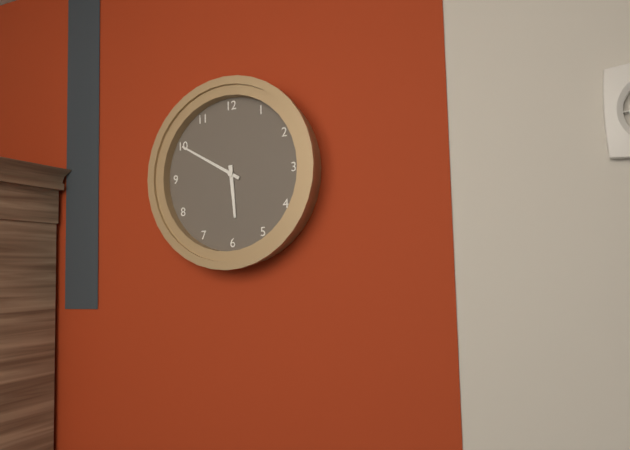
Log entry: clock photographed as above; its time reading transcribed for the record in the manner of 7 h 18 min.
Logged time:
5 h 50 min
